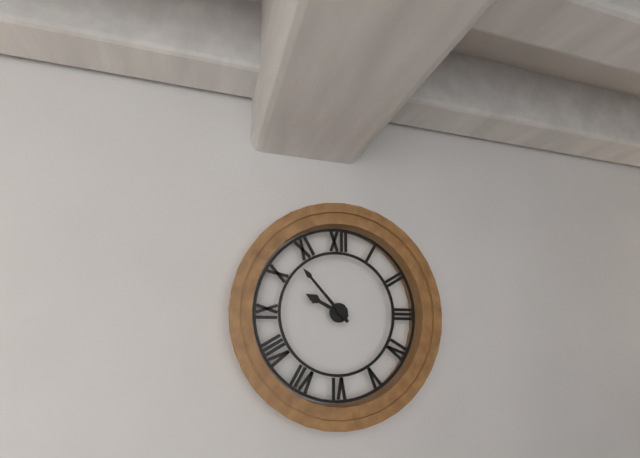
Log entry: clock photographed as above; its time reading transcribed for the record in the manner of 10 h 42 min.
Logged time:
9 h 53 min
